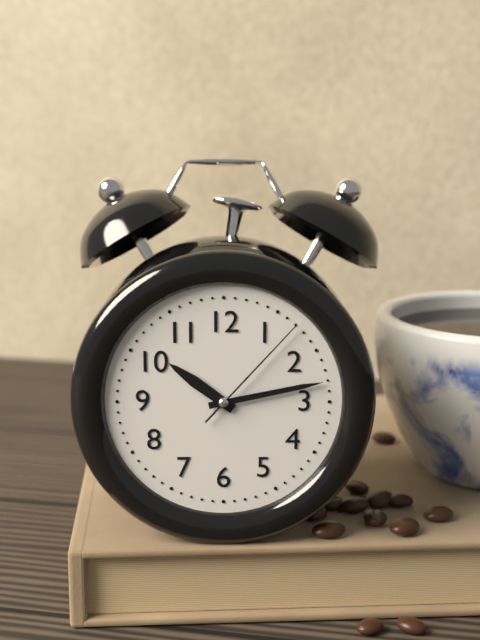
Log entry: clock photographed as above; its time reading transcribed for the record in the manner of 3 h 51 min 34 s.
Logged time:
10 h 13 min 07 s
